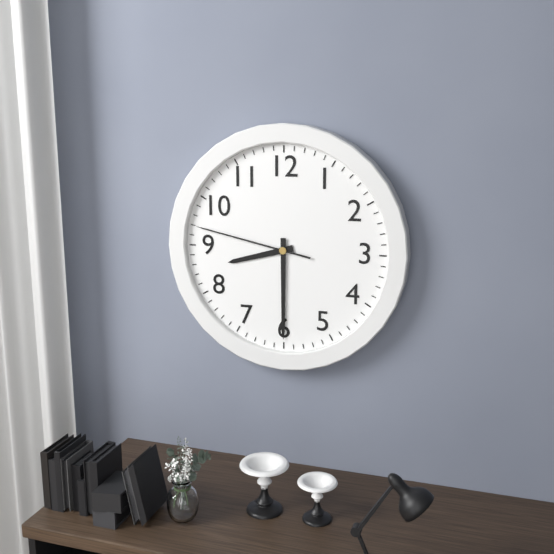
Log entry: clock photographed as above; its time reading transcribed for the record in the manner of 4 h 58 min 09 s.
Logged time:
8 h 30 min 47 s
